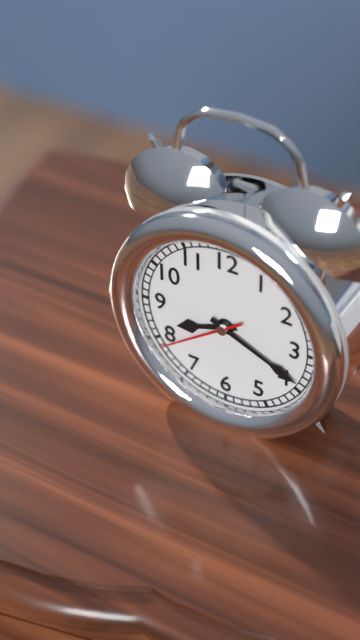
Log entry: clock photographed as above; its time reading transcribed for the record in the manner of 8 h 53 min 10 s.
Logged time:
8 h 19 min 39 s
